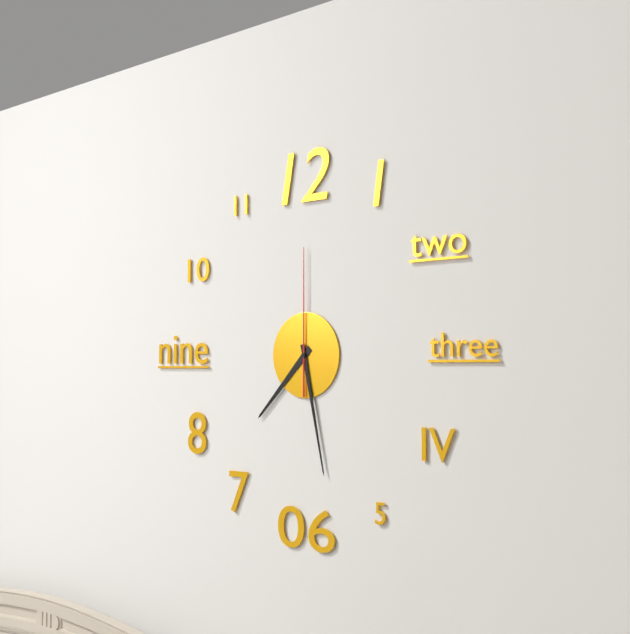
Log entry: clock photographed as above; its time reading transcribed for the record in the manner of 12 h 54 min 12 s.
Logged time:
7 h 28 min 00 s
